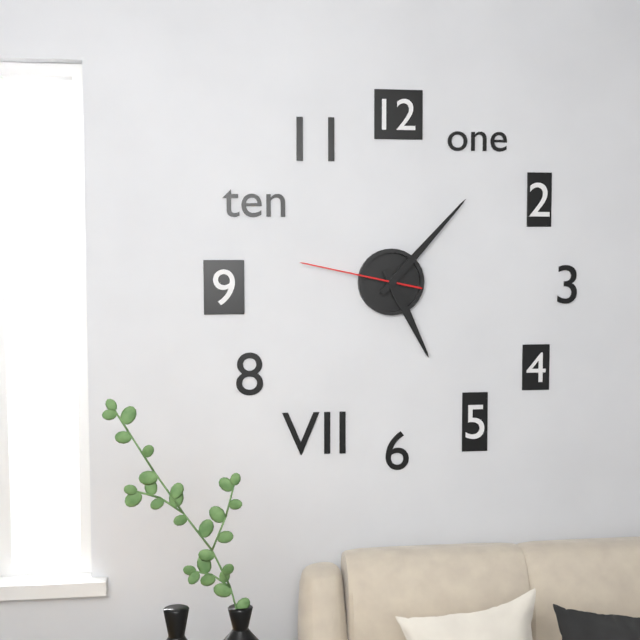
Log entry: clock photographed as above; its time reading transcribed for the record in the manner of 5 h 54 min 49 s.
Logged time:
5 h 07 min 47 s
